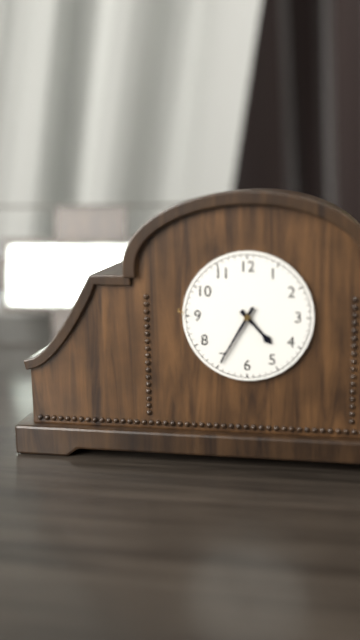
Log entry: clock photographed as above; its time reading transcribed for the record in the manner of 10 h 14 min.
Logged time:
4 h 35 min
